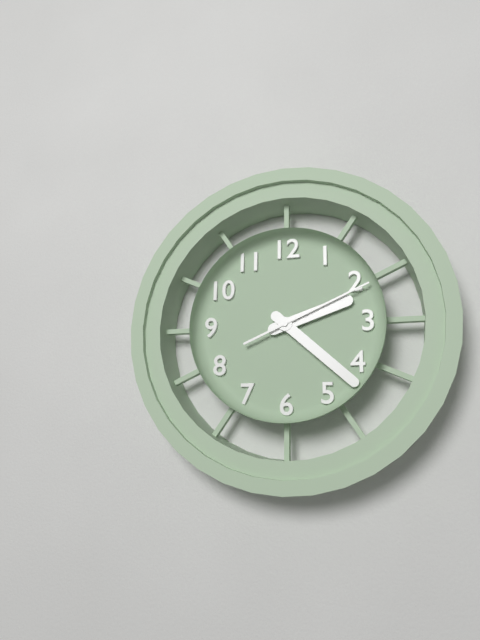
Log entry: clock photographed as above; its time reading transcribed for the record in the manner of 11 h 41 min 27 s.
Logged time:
2 h 22 min 11 s
